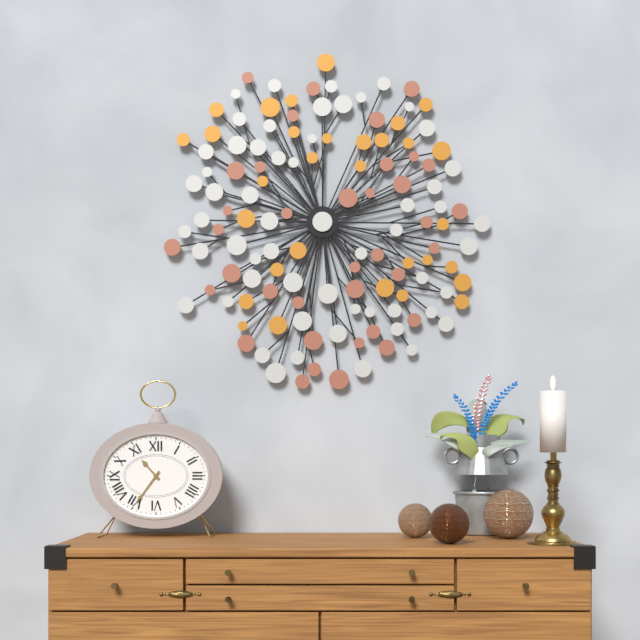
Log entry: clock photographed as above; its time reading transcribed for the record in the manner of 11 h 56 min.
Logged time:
10 h 36 min
